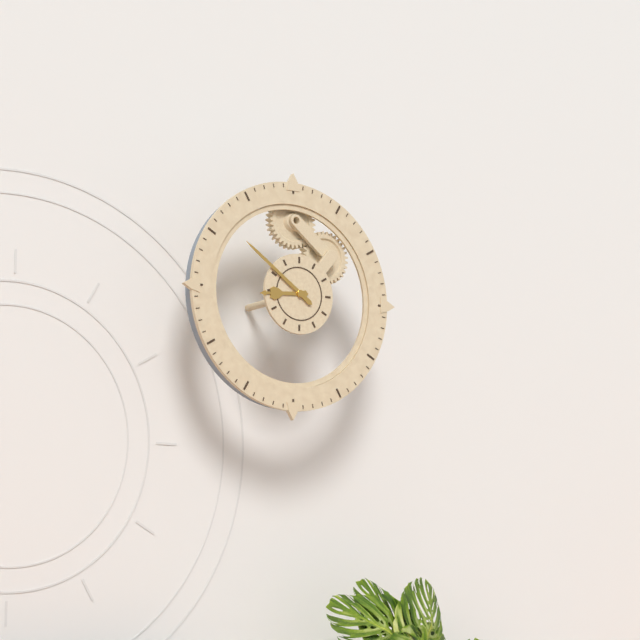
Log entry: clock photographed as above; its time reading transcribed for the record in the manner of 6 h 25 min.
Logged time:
8 h 51 min
